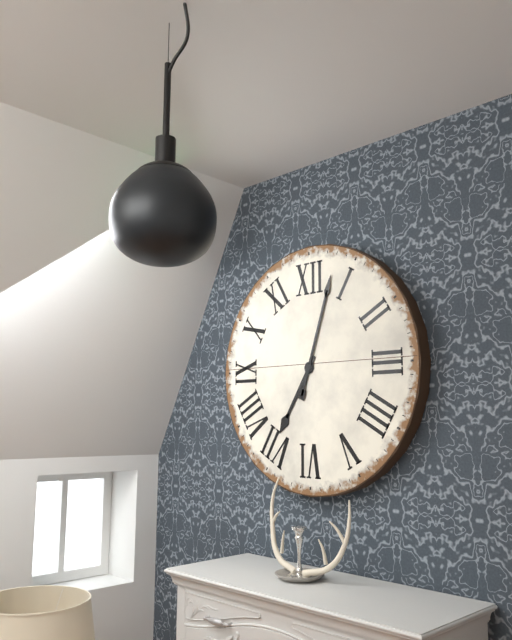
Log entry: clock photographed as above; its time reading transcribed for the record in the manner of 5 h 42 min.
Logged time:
7 h 03 min
